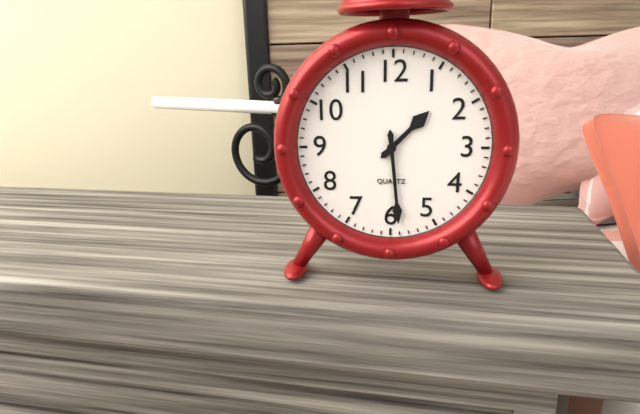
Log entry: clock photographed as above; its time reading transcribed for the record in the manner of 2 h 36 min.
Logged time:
1 h 29 min
